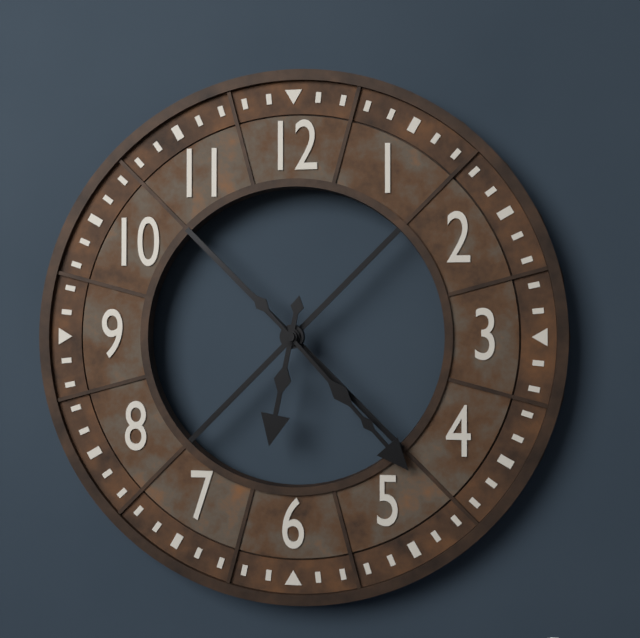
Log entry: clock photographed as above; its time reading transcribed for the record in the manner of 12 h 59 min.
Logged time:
6 h 23 min
